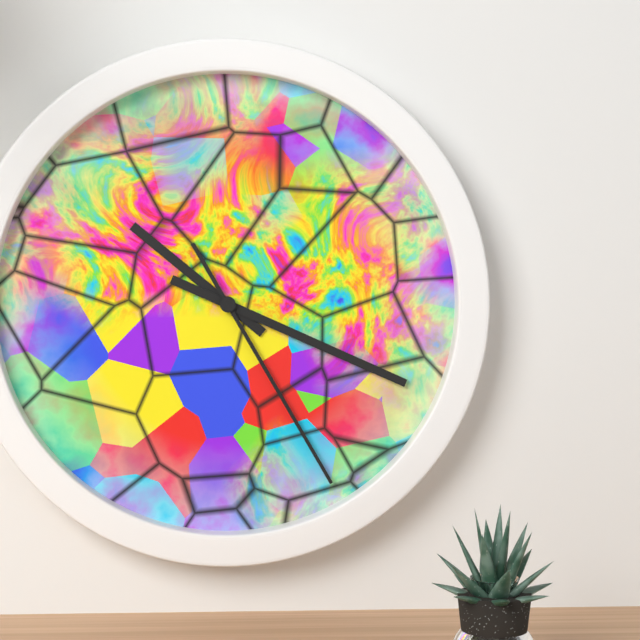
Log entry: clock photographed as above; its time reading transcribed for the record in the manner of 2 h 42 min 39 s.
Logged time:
10 h 19 min 25 s
